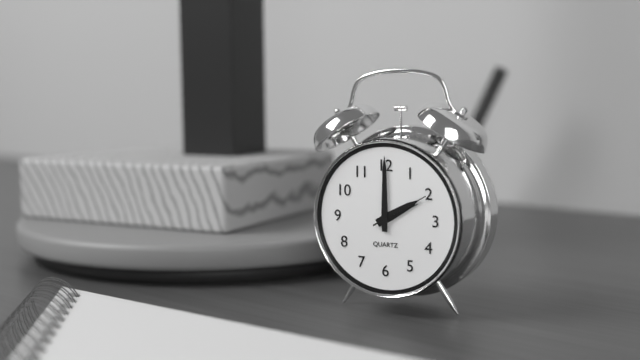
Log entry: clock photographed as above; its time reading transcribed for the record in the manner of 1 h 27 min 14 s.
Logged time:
2 h 00 min 10 s
